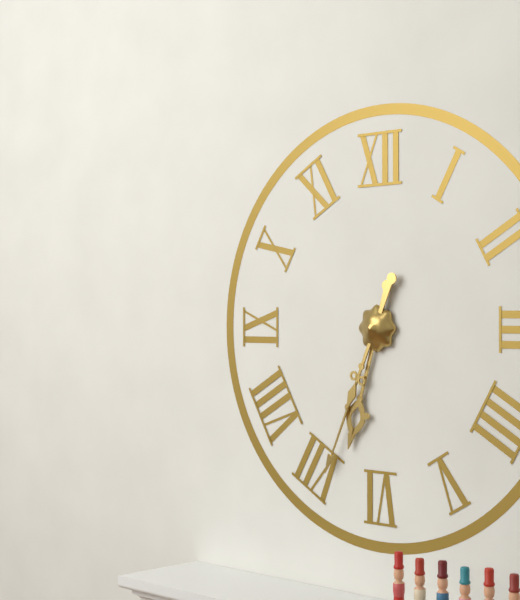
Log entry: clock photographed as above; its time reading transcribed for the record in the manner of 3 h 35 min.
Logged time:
6 h 34 min
